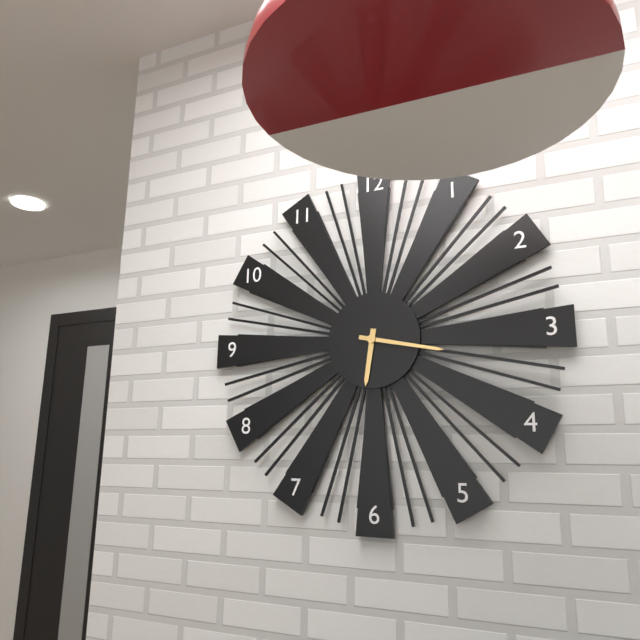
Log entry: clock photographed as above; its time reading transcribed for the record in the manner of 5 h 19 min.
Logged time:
6 h 17 min
